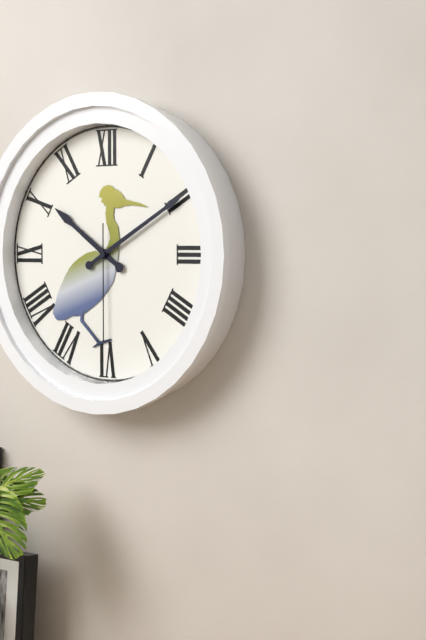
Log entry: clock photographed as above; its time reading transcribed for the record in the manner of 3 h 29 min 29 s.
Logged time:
10 h 10 min 30 s
